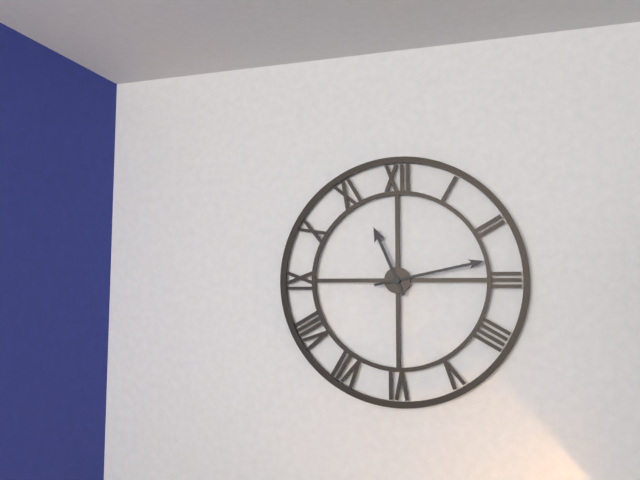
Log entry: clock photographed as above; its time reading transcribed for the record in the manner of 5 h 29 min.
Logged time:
11 h 13 min
